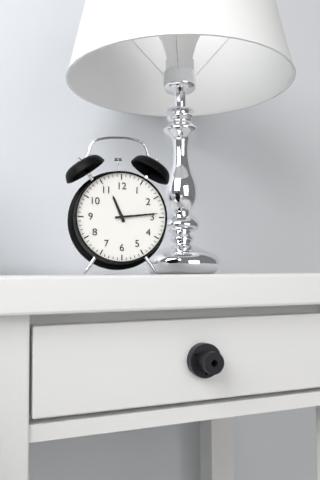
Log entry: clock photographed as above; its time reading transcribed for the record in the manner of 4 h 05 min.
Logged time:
11 h 14 min
